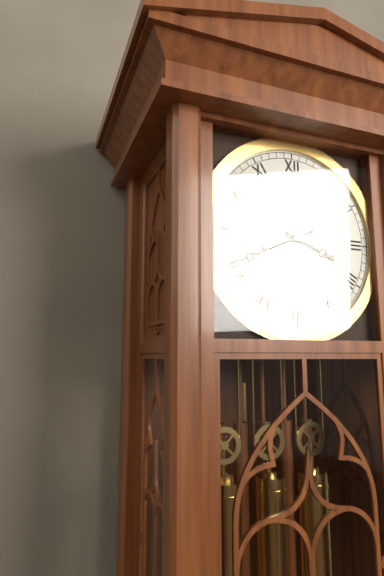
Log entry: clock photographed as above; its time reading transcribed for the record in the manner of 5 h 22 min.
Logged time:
3 h 41 min
